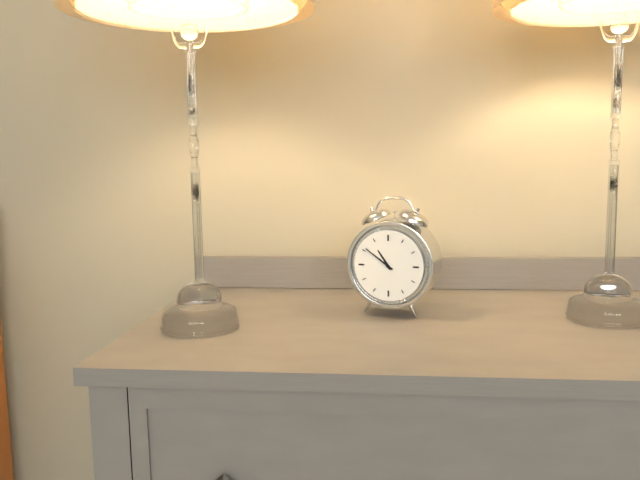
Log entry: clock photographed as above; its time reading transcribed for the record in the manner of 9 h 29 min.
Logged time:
10 h 51 min
